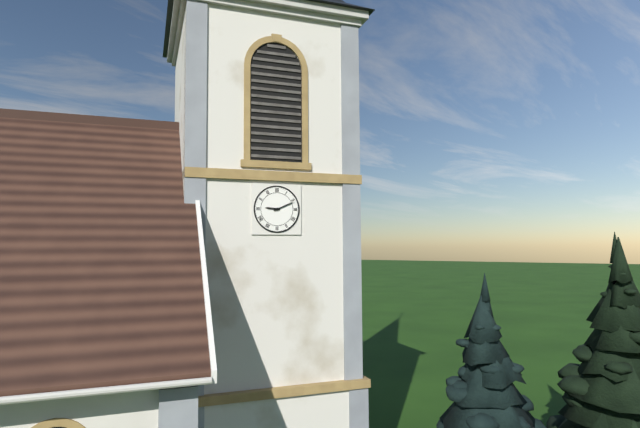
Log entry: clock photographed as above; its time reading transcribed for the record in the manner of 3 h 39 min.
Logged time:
9 h 11 min
